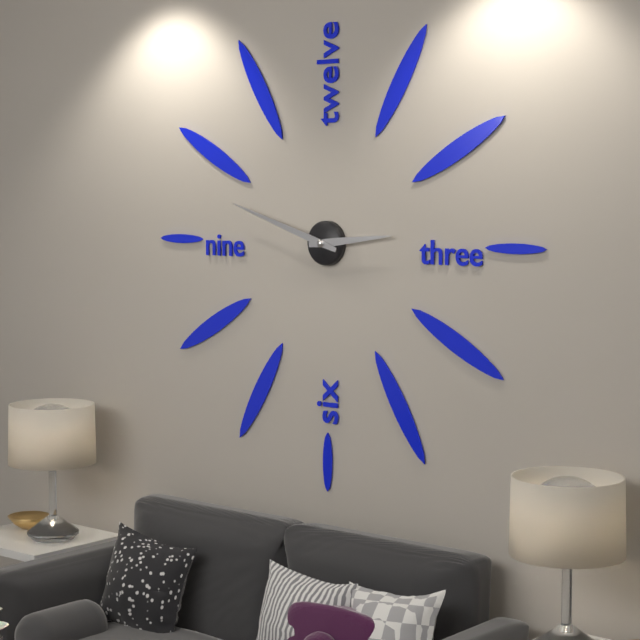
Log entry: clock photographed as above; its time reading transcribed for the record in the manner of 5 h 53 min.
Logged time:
2 h 48 min
